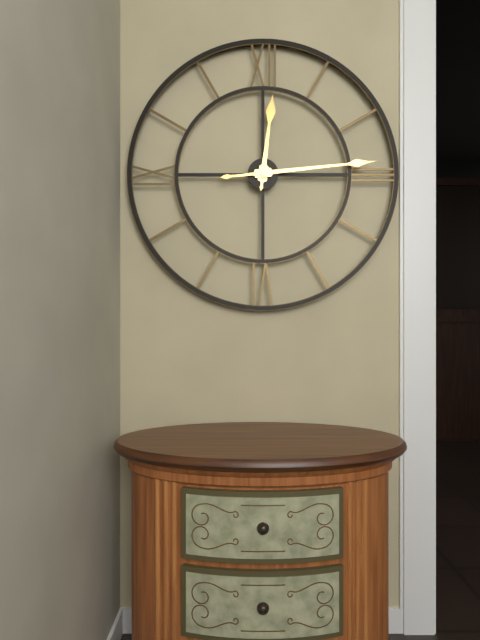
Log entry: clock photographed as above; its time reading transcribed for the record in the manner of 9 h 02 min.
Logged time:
12 h 14 min
